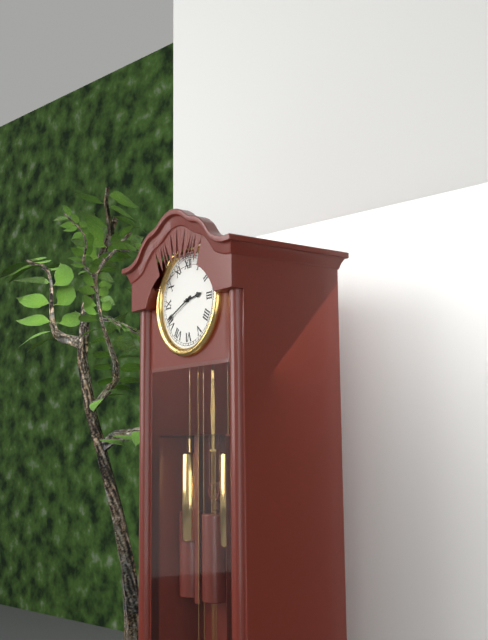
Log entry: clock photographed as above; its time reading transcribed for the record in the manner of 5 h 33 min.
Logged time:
2 h 41 min
